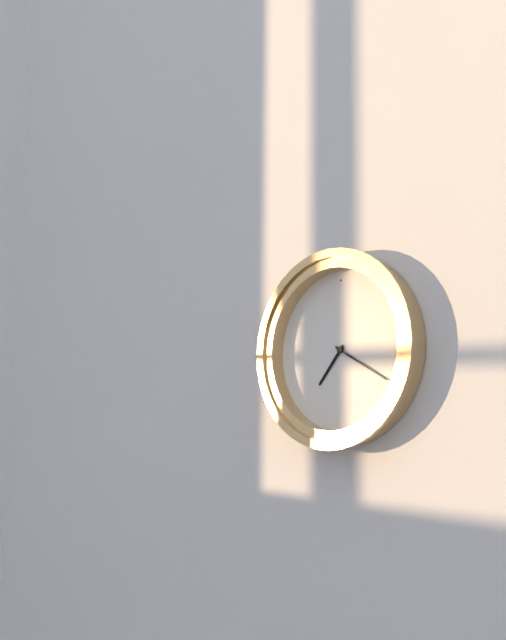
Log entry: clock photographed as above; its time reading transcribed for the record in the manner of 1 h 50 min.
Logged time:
7 h 20 min
